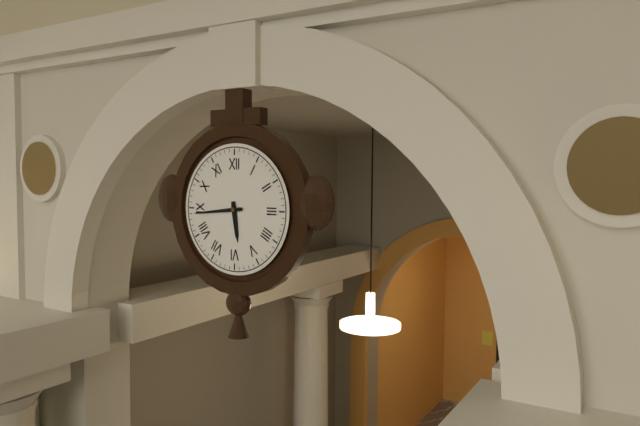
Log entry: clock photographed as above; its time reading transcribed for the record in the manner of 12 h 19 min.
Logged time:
5 h 44 min
